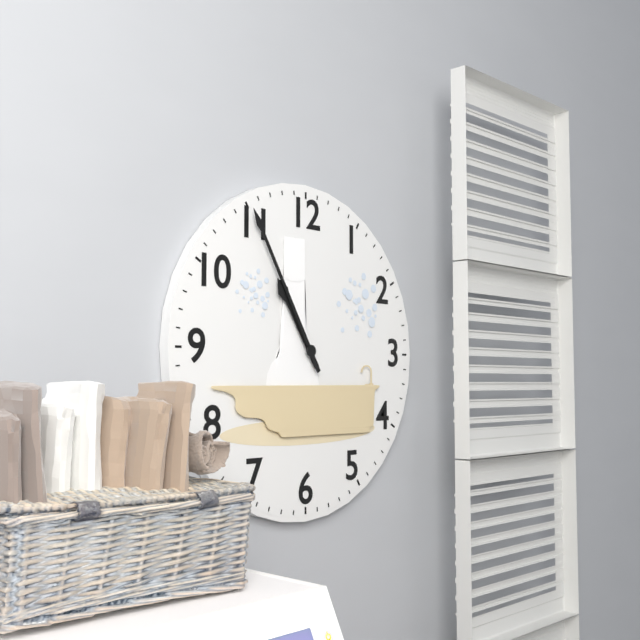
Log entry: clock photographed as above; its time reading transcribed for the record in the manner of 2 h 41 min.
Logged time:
10 h 55 min
